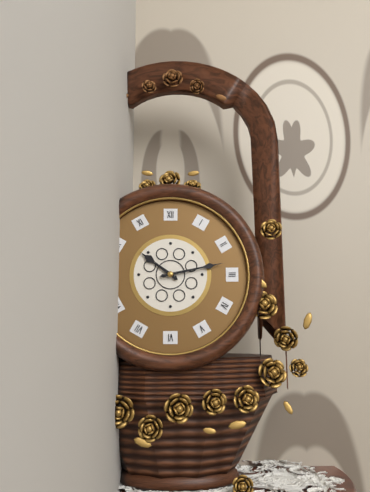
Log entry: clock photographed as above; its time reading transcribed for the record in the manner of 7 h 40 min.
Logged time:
10 h 13 min
